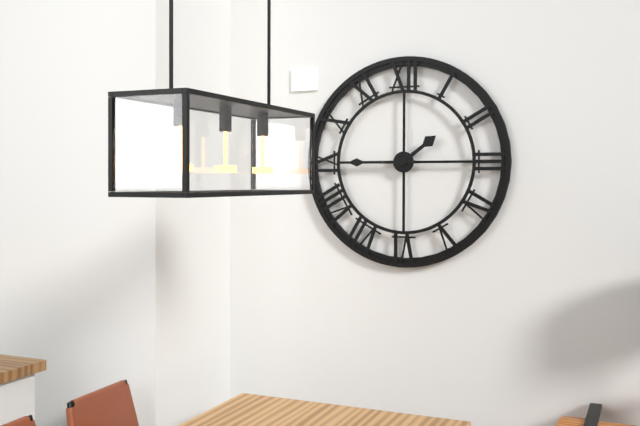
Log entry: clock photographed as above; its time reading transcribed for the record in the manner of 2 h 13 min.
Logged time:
1 h 45 min
